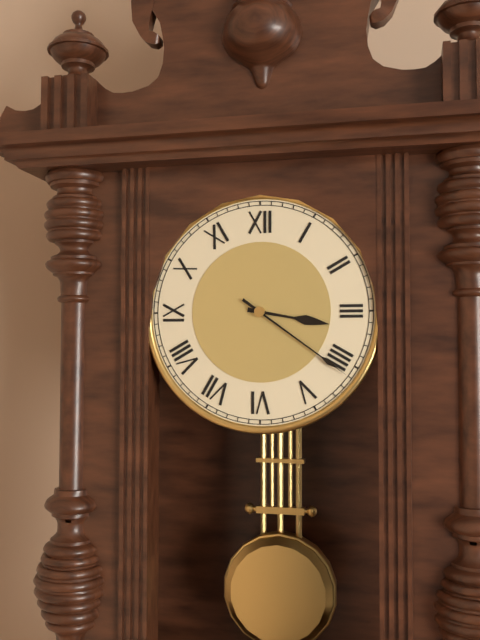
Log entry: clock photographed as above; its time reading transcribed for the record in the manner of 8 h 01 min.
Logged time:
3 h 21 min
